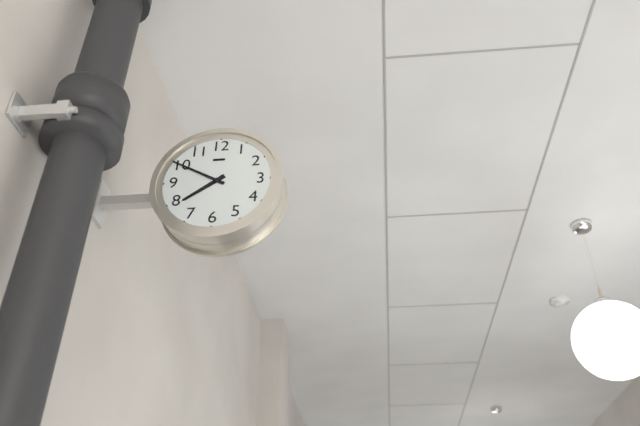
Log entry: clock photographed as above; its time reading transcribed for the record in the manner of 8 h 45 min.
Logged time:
7 h 50 min
